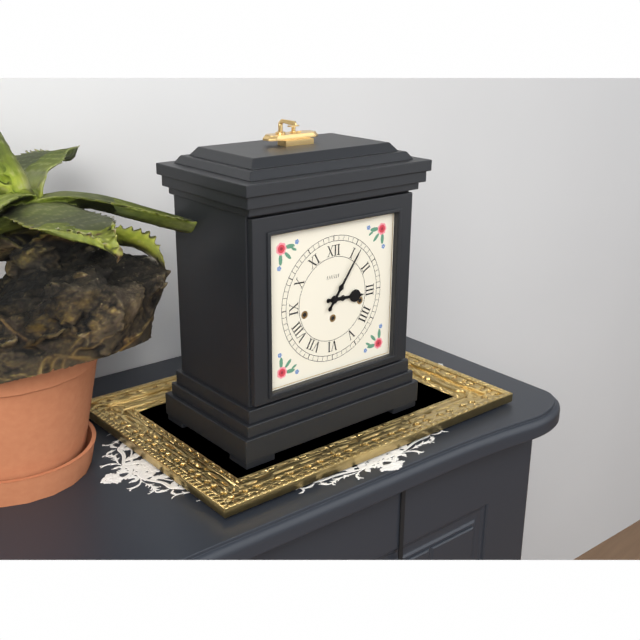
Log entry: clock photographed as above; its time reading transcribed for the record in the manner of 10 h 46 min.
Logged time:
3 h 06 min
